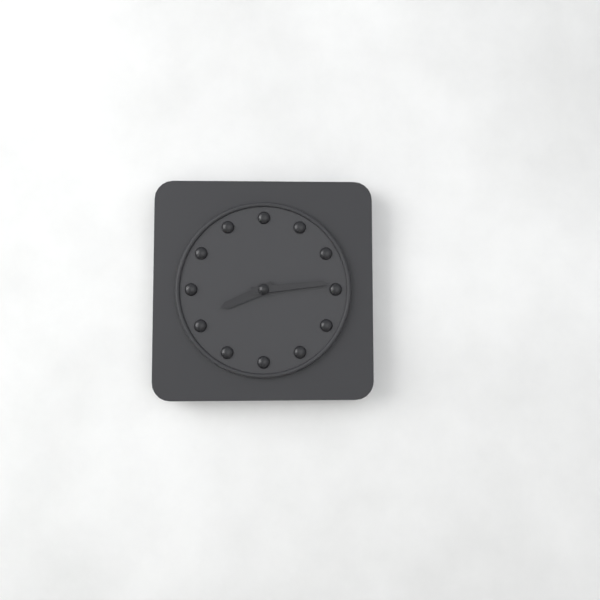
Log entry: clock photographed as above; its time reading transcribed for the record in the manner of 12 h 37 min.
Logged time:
8 h 14 min
